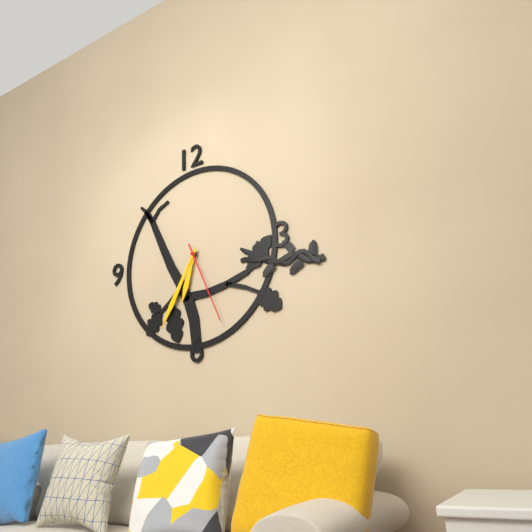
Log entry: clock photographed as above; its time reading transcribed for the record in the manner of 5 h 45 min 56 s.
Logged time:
6 h 35 min 26 s
